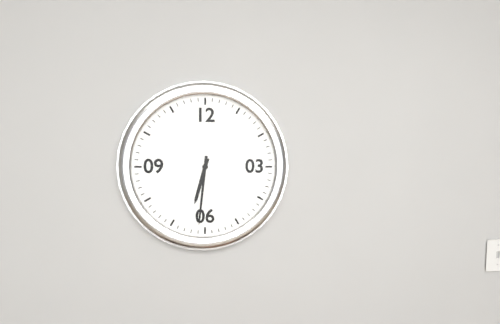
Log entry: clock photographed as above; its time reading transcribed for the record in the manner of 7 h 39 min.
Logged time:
6 h 31 min
